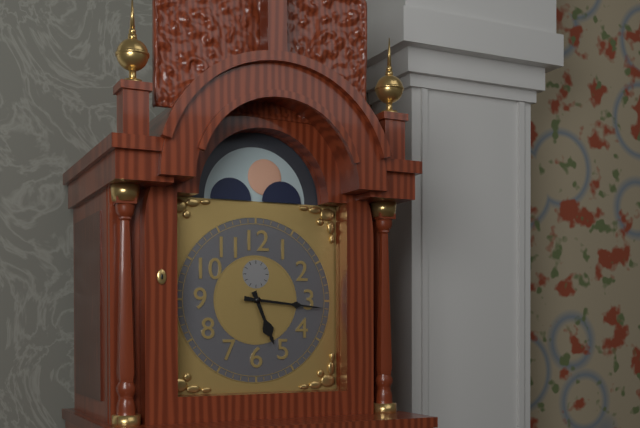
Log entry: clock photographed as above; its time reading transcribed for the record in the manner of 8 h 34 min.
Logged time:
5 h 16 min
